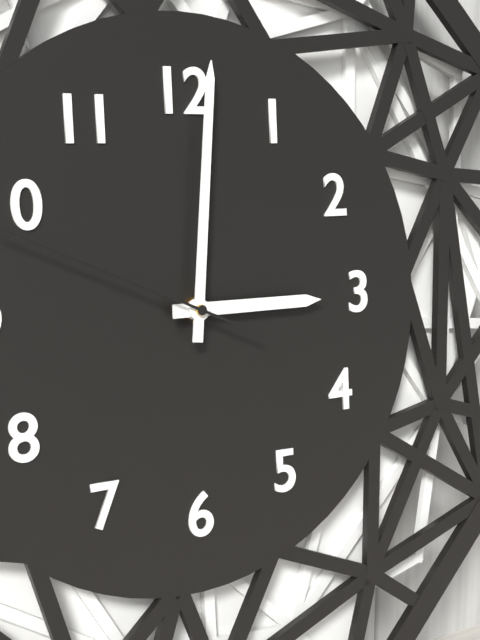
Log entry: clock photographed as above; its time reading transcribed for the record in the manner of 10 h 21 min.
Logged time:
3 h 01 min
